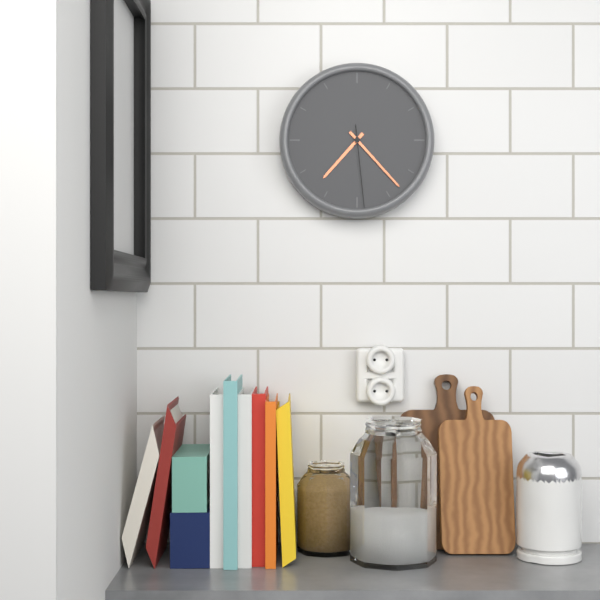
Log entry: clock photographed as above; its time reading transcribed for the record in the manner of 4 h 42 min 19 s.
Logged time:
7 h 23 min 29 s
